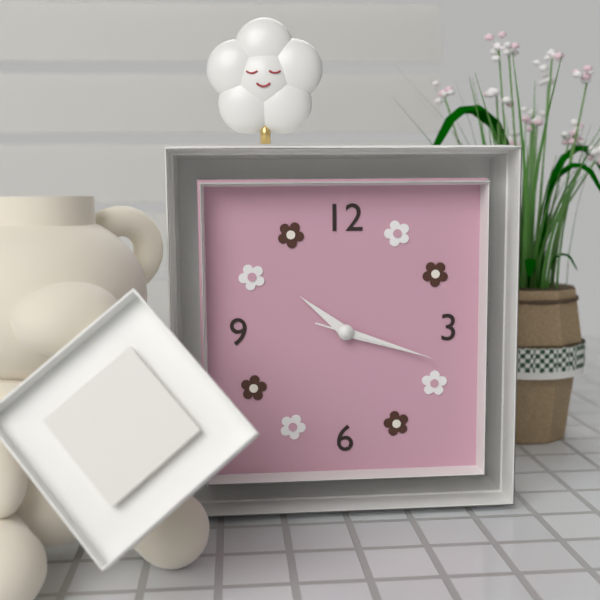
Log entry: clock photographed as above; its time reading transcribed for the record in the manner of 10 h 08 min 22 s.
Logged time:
10 h 18 min 18 s
